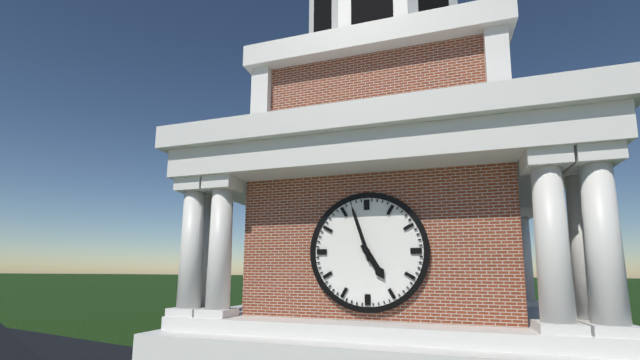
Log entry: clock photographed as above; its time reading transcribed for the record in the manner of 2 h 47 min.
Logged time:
4 h 57 min
